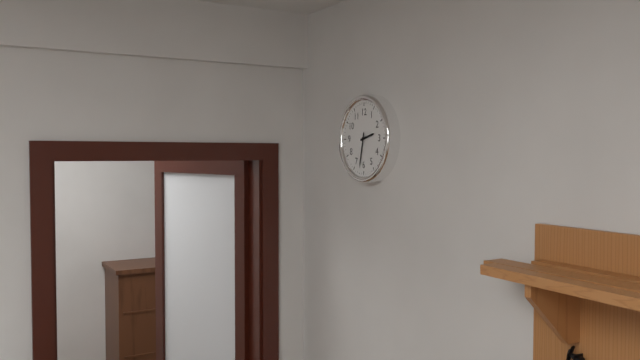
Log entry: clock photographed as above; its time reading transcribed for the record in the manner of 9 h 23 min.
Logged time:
2 h 32 min
